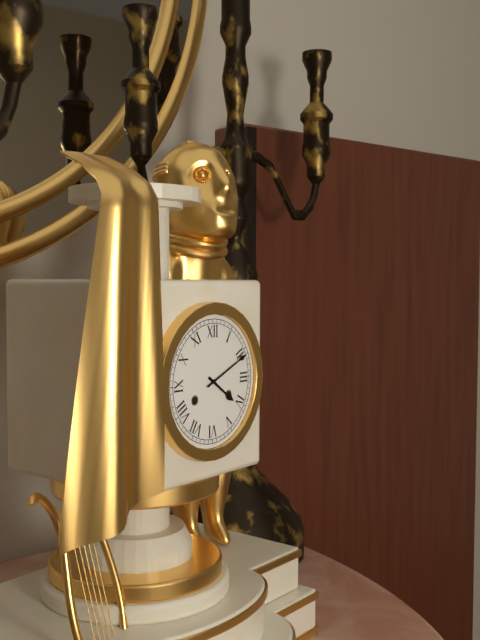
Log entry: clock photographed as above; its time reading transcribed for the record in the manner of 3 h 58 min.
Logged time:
4 h 11 min
